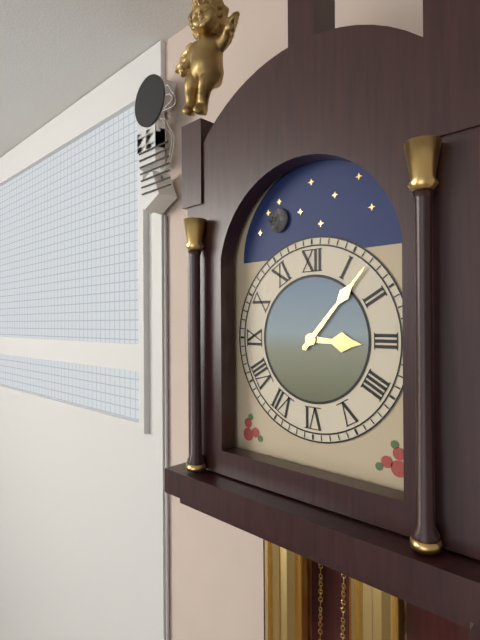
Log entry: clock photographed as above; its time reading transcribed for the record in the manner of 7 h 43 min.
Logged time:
3 h 07 min
